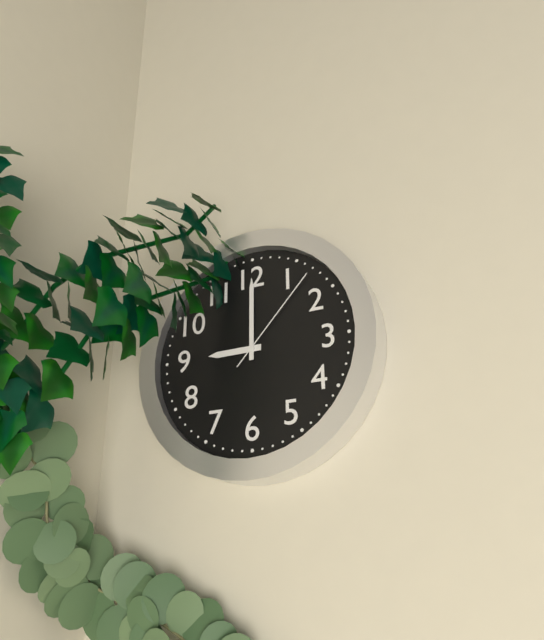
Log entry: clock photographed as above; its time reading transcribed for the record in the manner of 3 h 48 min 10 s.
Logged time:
9 h 00 min 07 s
